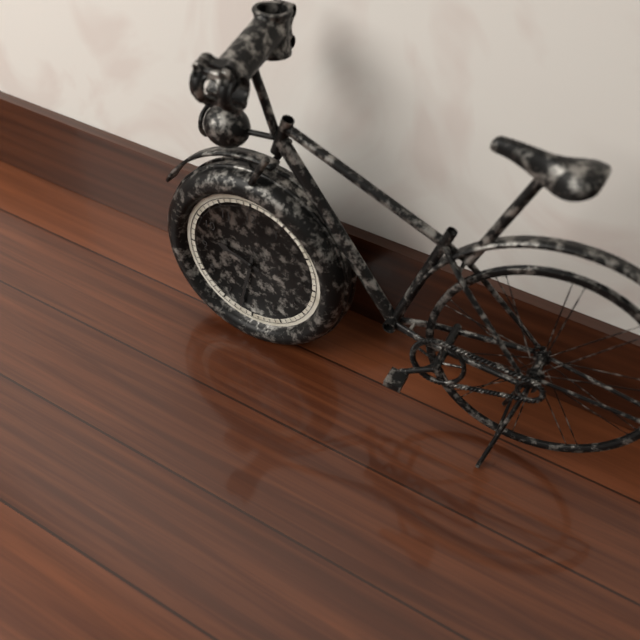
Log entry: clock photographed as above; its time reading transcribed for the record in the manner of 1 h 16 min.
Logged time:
9 h 32 min
